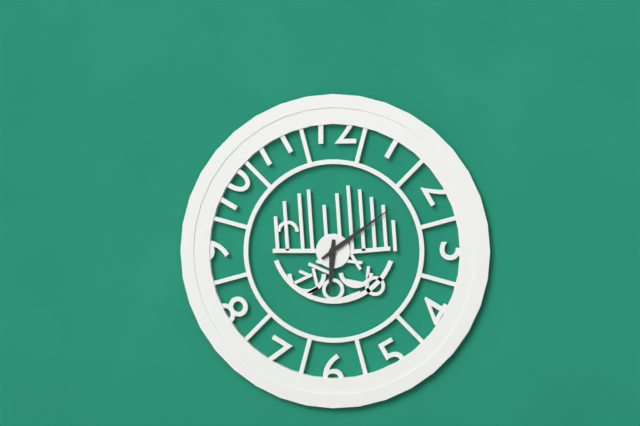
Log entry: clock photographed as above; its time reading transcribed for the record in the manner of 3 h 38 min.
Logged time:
6 h 09 min
